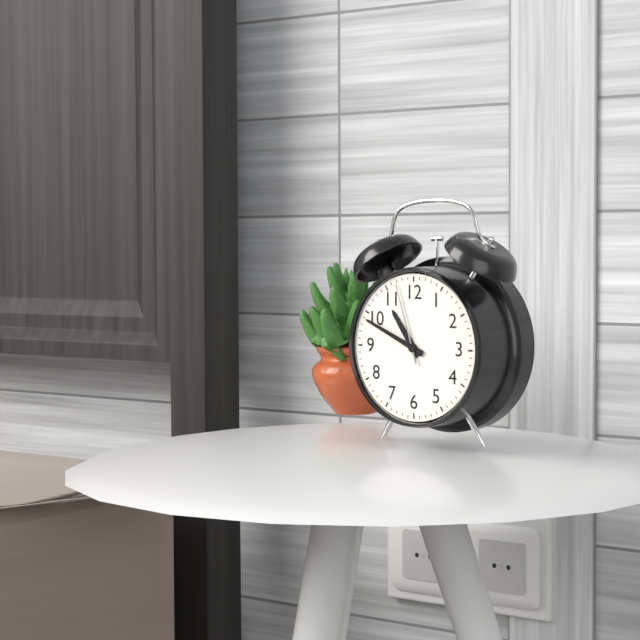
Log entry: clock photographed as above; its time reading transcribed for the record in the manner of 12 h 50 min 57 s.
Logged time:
10 h 49 min 57 s
